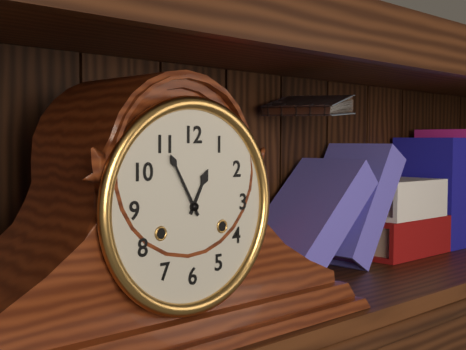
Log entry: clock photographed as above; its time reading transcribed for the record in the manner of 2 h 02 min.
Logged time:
12 h 55 min
